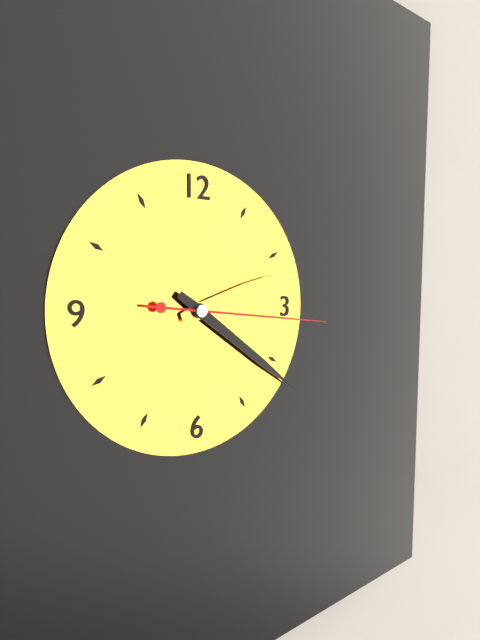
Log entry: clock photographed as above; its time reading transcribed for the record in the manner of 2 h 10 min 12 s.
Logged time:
2 h 21 min 16 s
